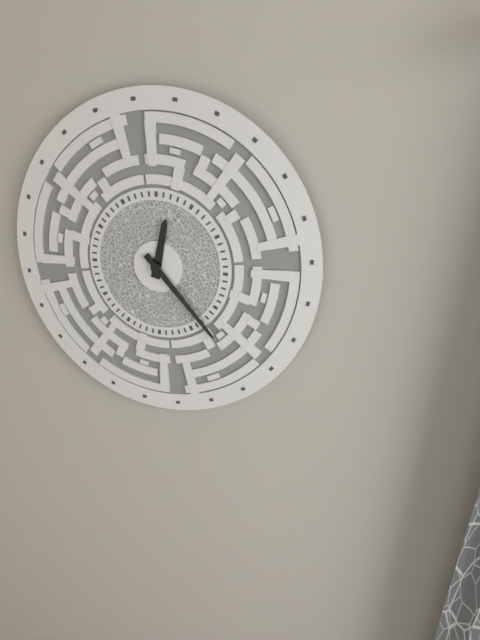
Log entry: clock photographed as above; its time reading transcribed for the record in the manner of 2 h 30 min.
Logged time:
12 h 23 min
